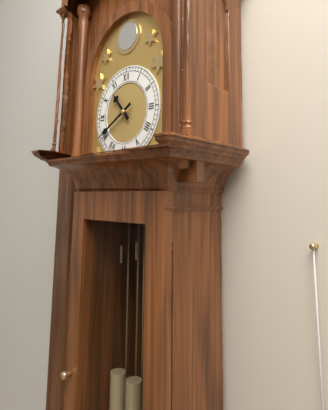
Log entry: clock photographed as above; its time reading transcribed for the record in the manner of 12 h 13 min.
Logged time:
10 h 40 min
